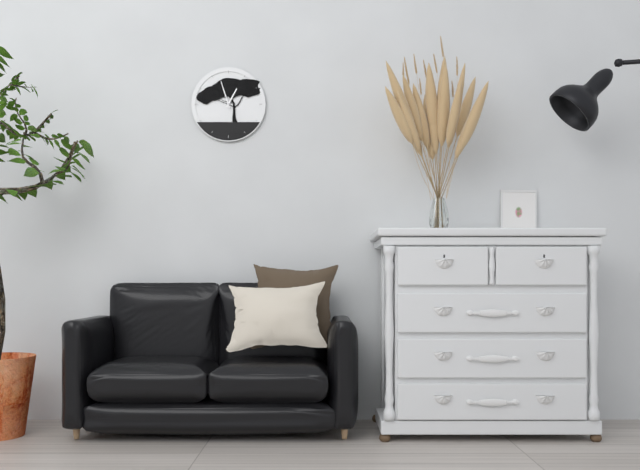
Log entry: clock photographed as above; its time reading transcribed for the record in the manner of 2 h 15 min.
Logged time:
12 h 57 min
